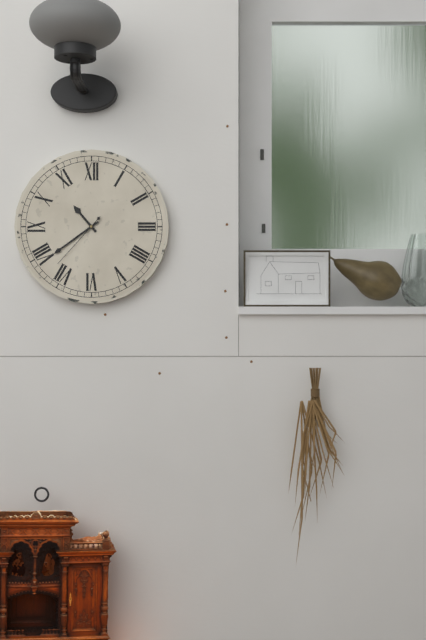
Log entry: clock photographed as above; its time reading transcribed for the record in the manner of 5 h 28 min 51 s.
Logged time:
10 h 39 min 37 s
